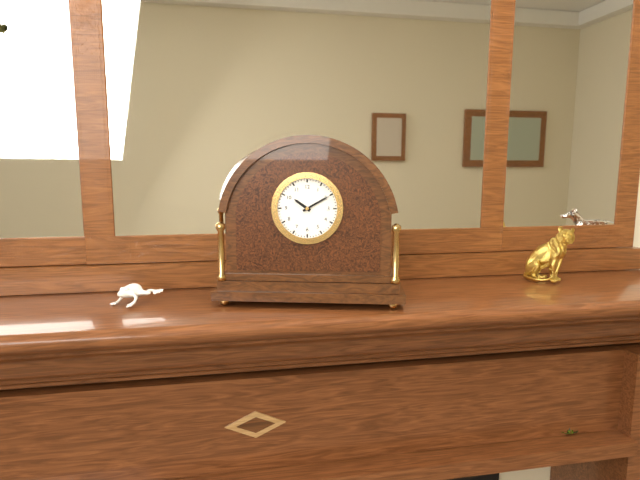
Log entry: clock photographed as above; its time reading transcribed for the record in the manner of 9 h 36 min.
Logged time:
10 h 10 min
